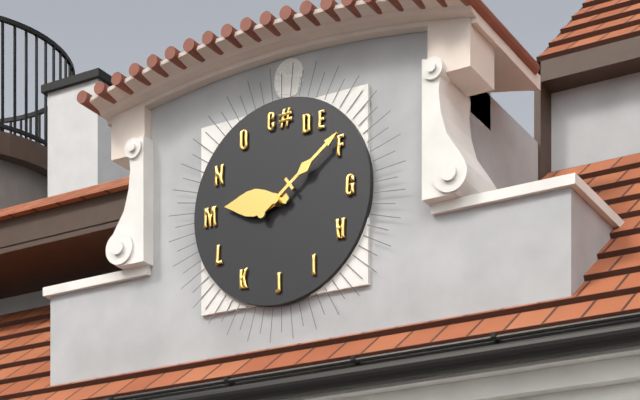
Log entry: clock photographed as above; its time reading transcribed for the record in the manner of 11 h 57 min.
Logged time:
9 h 09 min
